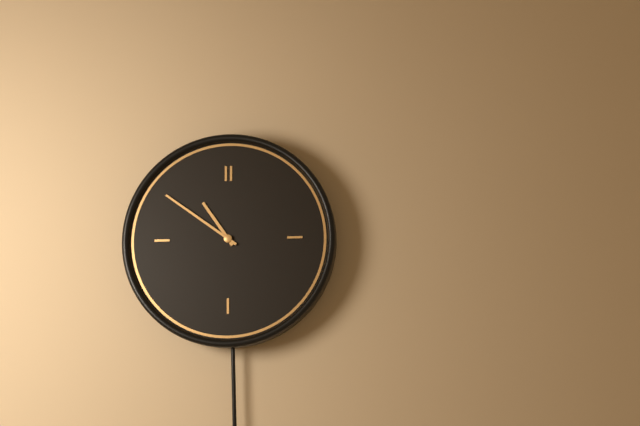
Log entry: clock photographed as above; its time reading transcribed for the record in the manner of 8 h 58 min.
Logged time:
10 h 51 min
